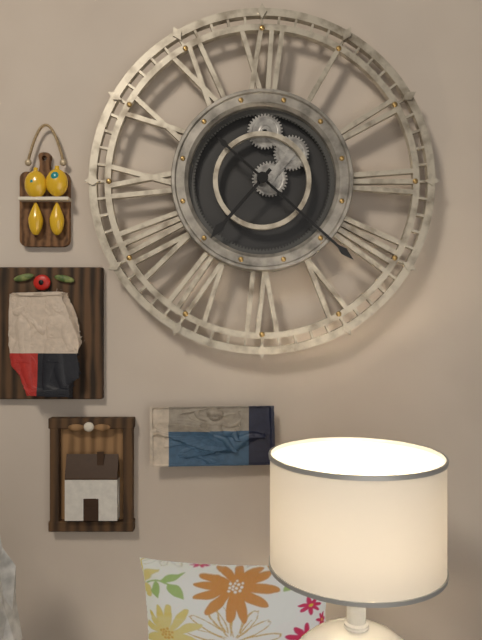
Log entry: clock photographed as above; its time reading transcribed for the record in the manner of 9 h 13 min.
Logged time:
7 h 22 min
